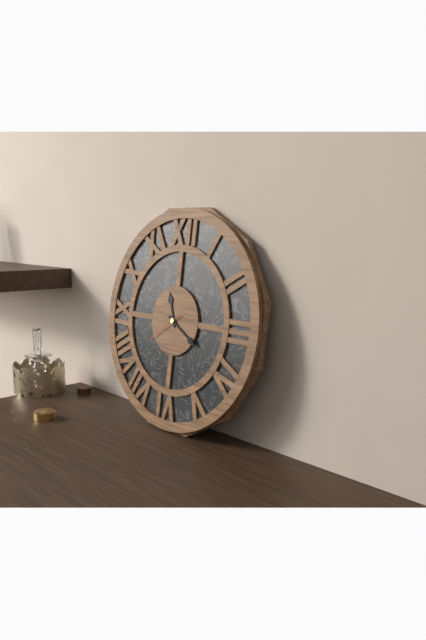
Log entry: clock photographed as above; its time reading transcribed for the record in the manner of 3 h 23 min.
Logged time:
11 h 20 min
